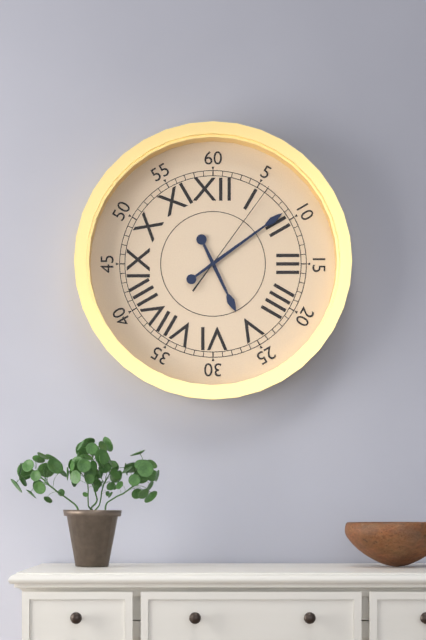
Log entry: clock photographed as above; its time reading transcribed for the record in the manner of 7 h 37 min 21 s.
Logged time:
5 h 09 min 06 s
